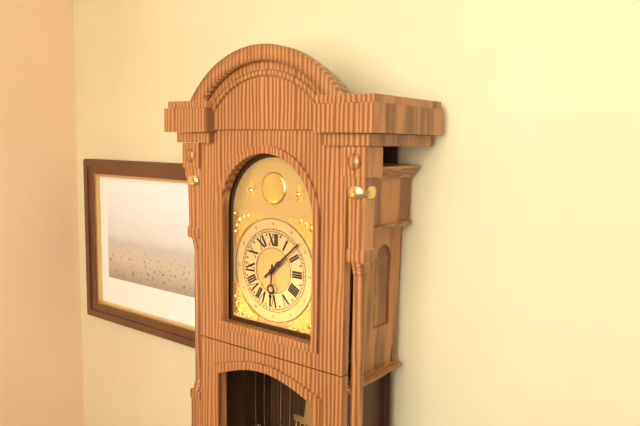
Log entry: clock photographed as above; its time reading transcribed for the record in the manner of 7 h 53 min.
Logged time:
6 h 08 min
